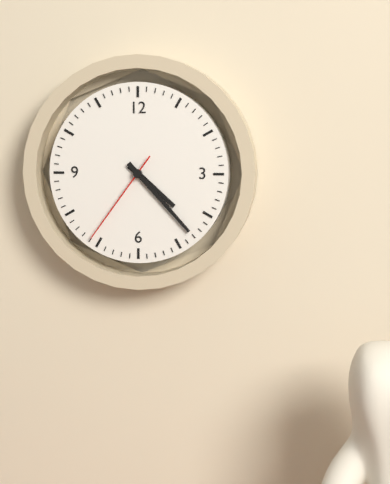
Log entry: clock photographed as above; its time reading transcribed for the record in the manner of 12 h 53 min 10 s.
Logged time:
4 h 23 min 36 s
